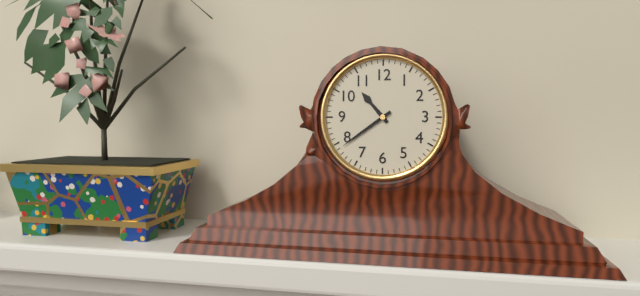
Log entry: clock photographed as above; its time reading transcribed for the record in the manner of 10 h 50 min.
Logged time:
10 h 39 min
